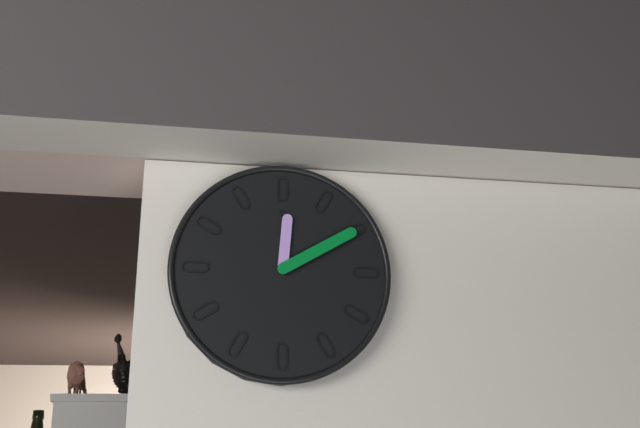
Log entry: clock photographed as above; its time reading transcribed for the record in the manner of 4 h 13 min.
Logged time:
12 h 10 min
